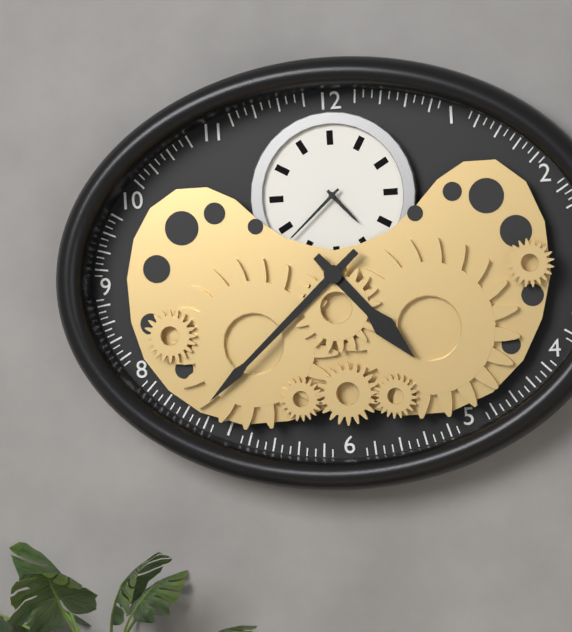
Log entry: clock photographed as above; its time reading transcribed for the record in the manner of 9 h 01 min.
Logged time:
4 h 38 min
